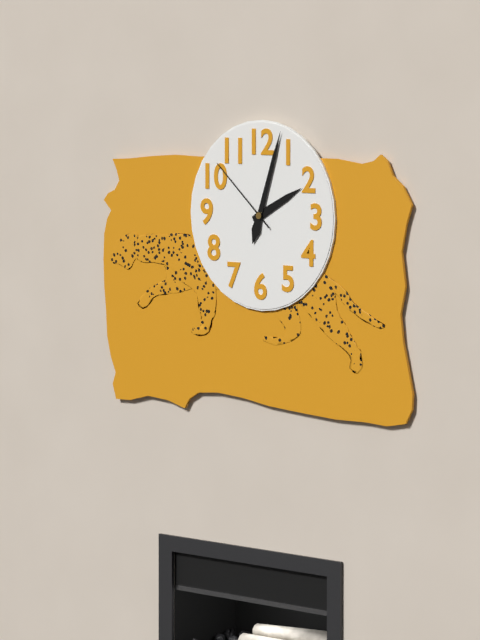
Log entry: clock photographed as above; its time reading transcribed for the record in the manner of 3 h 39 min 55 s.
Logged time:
2 h 03 min 52 s
